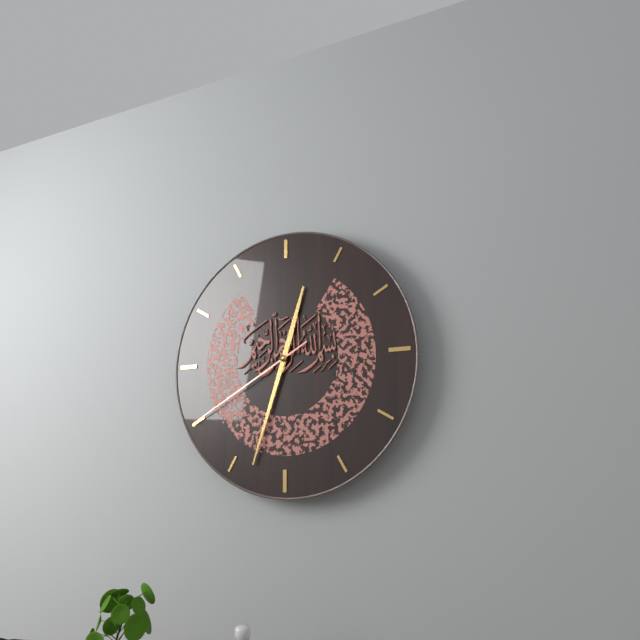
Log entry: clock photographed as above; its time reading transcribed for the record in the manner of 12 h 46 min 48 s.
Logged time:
12 h 33 min 40 s
